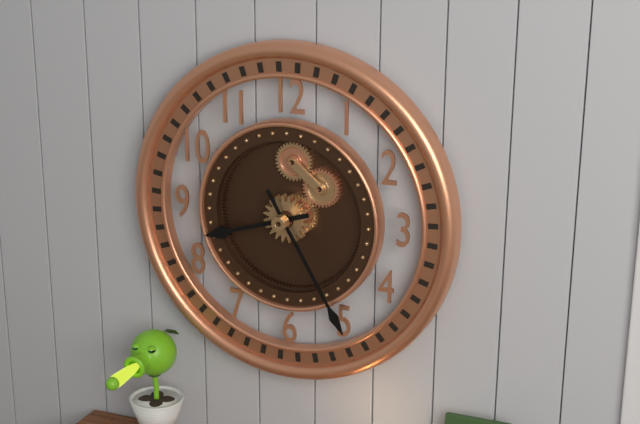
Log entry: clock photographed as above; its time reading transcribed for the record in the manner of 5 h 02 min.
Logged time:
8 h 25 min
